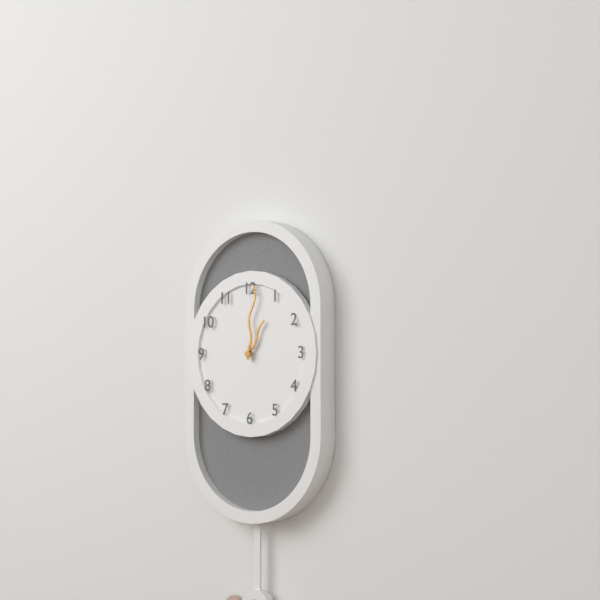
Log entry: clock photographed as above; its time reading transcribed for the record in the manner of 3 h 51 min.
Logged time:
1 h 01 min
